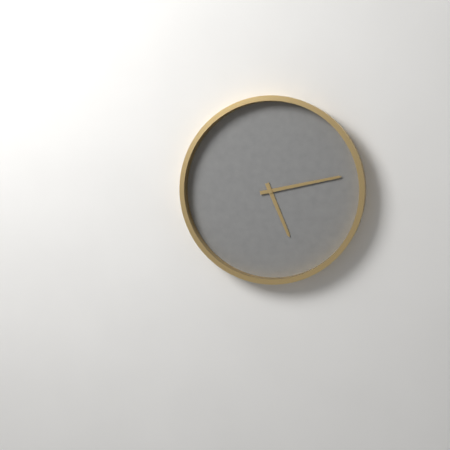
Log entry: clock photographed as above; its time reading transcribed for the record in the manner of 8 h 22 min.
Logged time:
5 h 13 min
